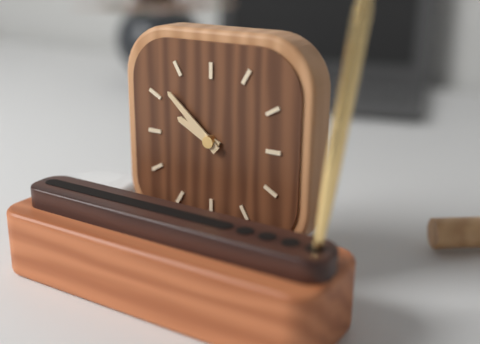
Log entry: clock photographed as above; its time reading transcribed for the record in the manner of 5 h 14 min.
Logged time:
9 h 52 min
